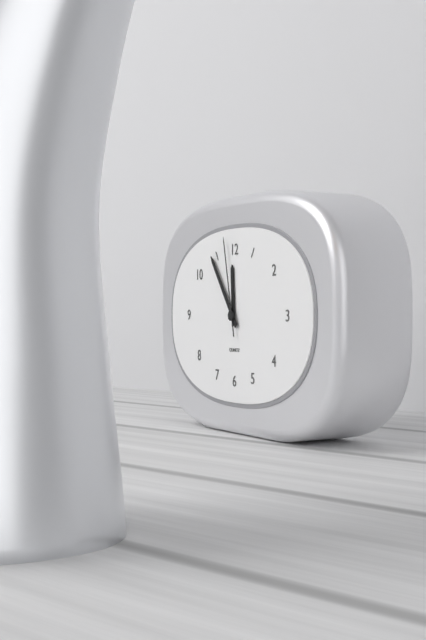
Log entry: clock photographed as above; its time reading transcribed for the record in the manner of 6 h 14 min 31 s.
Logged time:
11 h 54 min 58 s
